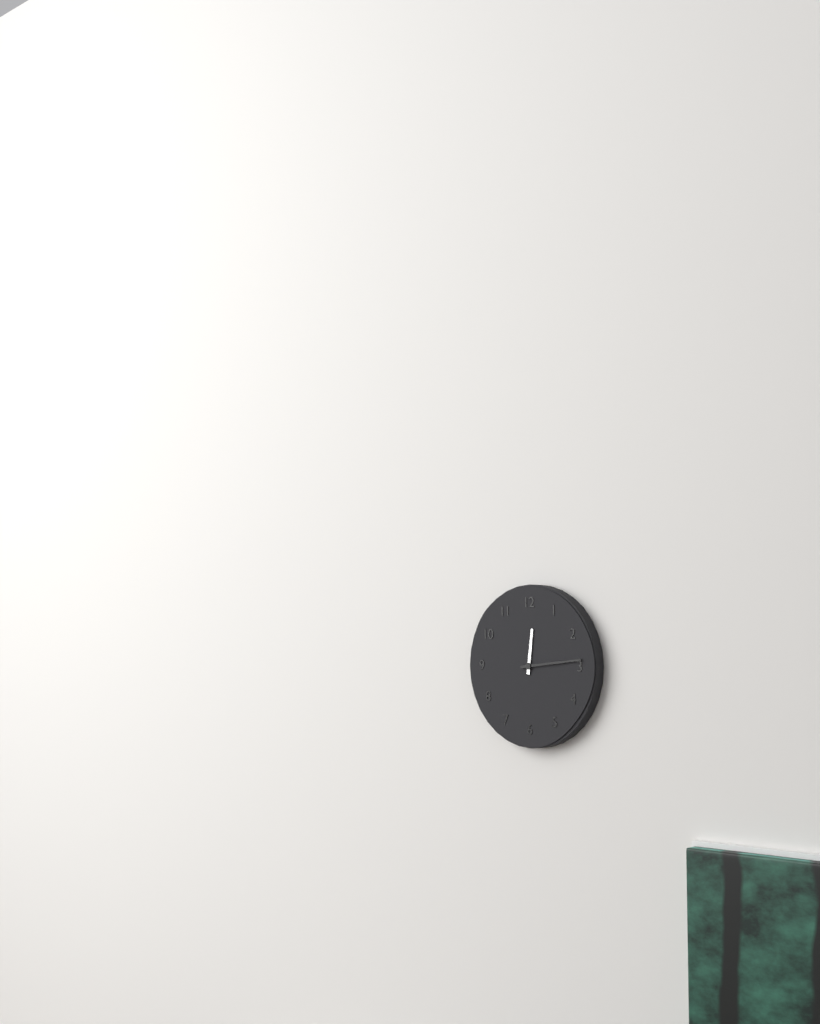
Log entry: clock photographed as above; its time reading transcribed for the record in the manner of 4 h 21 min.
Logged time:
12 h 14 min
